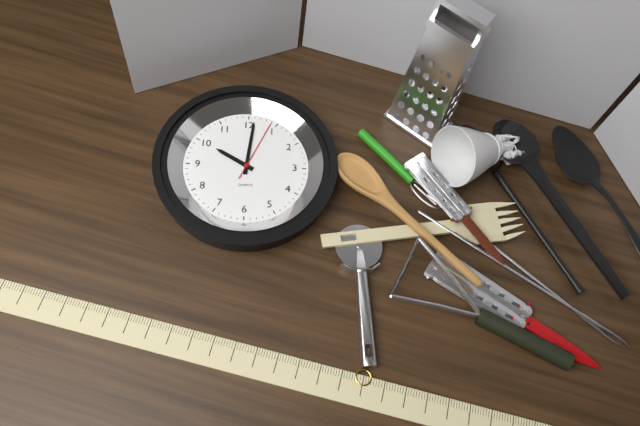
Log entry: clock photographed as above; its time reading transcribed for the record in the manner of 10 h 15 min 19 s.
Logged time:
10 h 01 min 04 s
